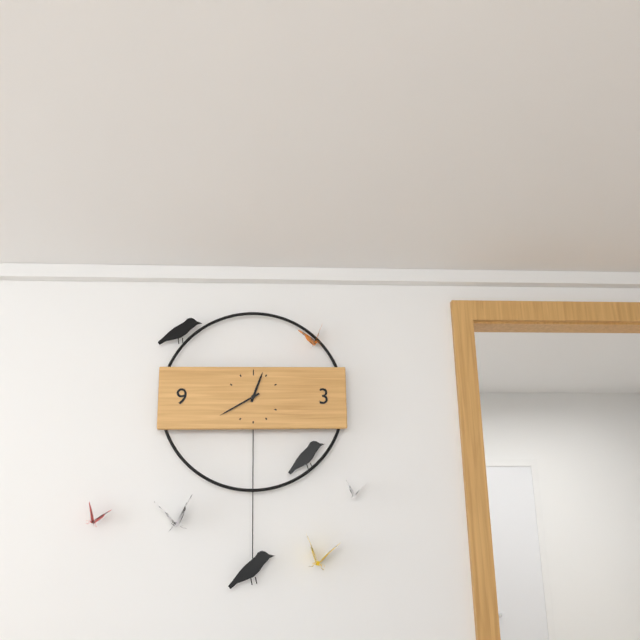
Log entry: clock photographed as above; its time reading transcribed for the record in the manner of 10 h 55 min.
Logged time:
12 h 40 min
